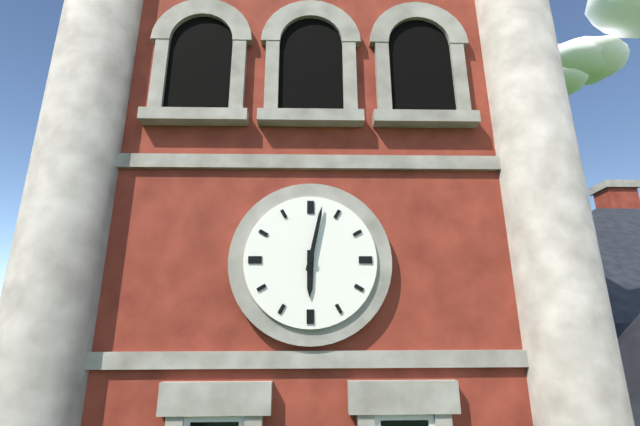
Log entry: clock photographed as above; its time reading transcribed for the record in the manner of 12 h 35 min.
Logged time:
6 h 02 min
